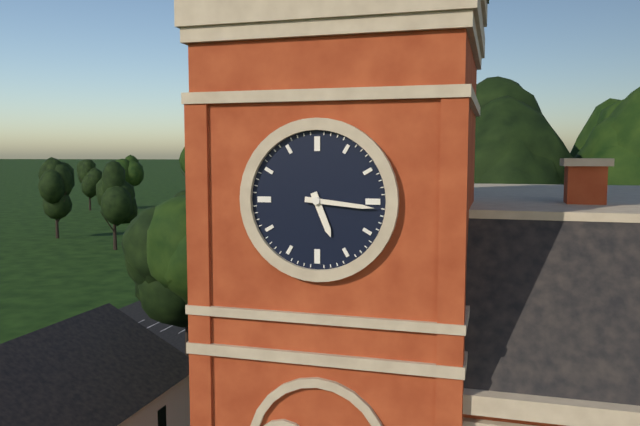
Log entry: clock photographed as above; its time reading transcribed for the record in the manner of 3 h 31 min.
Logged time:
5 h 16 min
